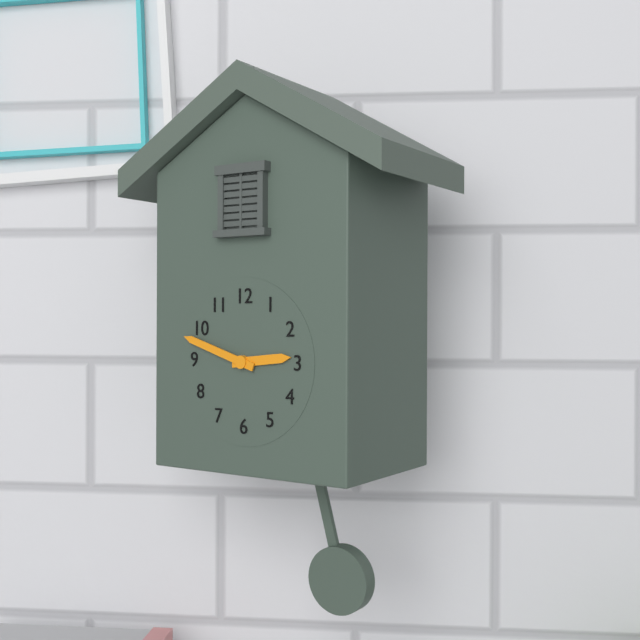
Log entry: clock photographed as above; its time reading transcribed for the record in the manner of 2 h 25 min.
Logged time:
2 h 48 min
